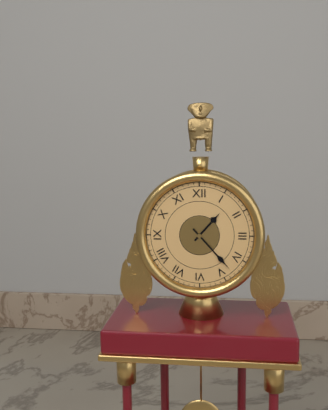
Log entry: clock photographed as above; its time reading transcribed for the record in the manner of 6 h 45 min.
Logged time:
1 h 23 min
